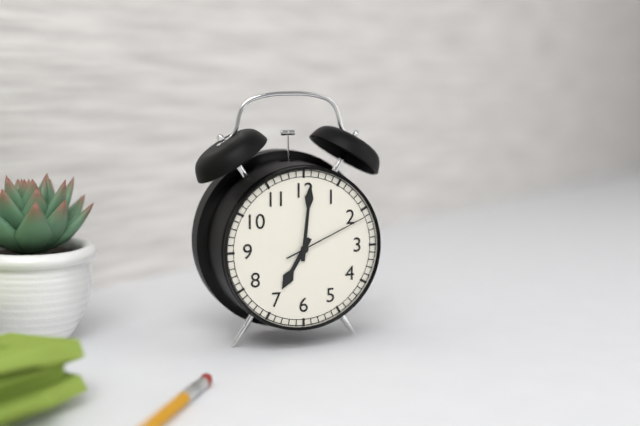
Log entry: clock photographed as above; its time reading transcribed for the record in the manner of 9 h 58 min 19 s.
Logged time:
7 h 01 min 11 s
